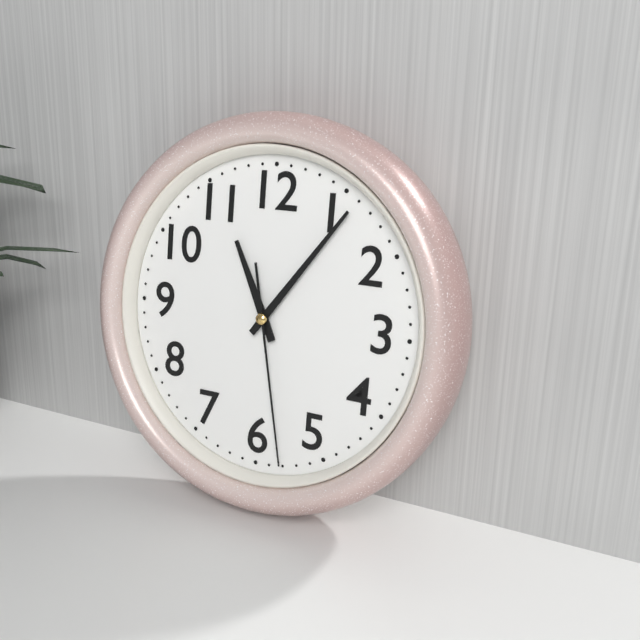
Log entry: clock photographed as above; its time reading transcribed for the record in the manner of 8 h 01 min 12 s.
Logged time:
11 h 06 min 28 s
